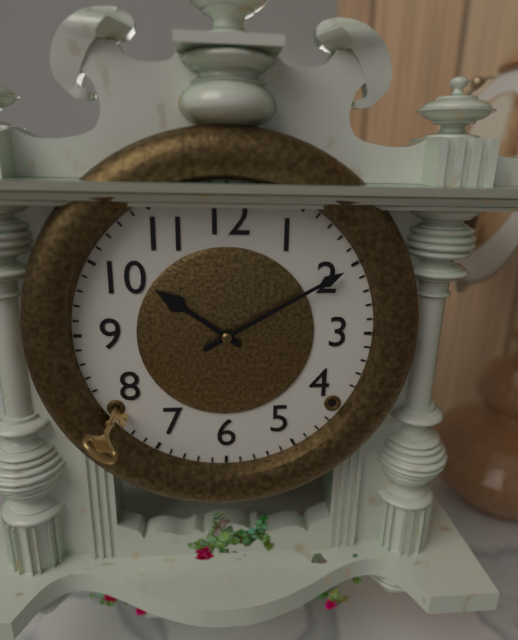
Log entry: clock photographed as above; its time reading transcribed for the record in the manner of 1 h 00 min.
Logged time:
10 h 10 min
